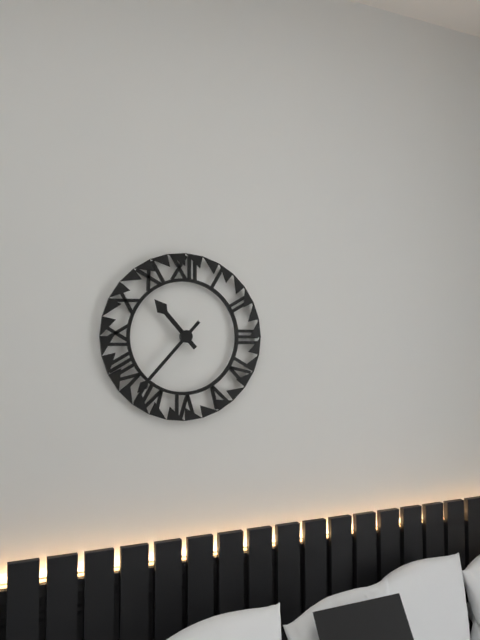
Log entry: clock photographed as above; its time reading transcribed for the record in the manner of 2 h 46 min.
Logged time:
10 h 37 min
